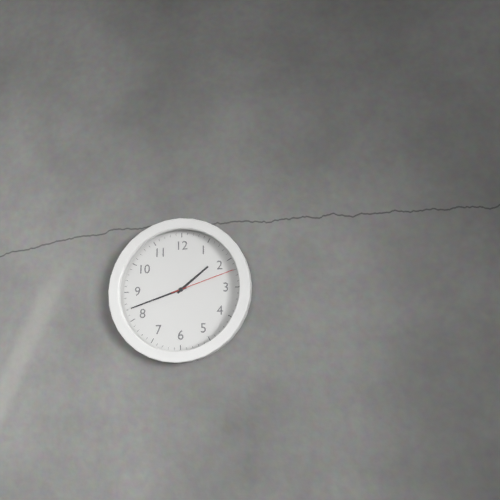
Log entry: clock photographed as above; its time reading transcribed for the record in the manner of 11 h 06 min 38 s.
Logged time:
1 h 42 min 12 s
